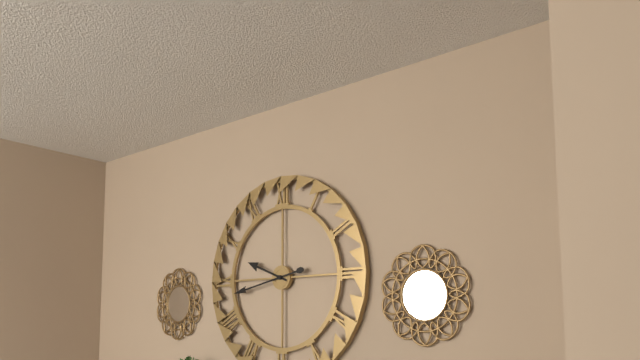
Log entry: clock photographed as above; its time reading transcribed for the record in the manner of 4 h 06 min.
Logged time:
9 h 43 min
